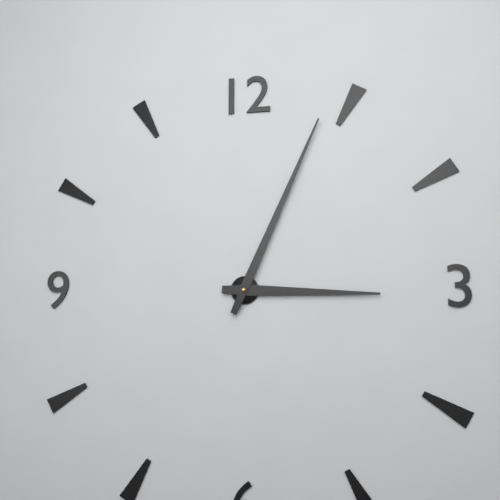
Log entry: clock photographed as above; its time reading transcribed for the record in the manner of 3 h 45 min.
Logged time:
3 h 04 min
